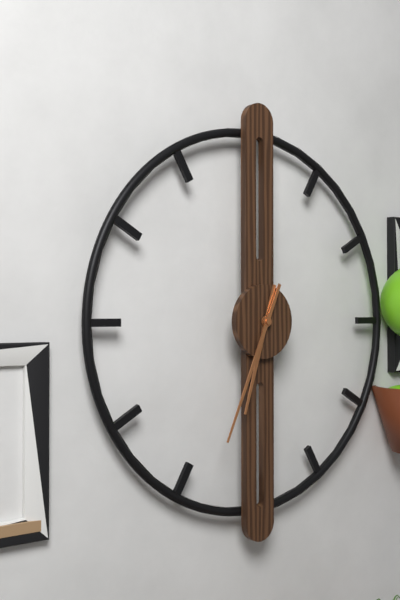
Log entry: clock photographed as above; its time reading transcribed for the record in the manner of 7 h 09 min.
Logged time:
6 h 34 min
